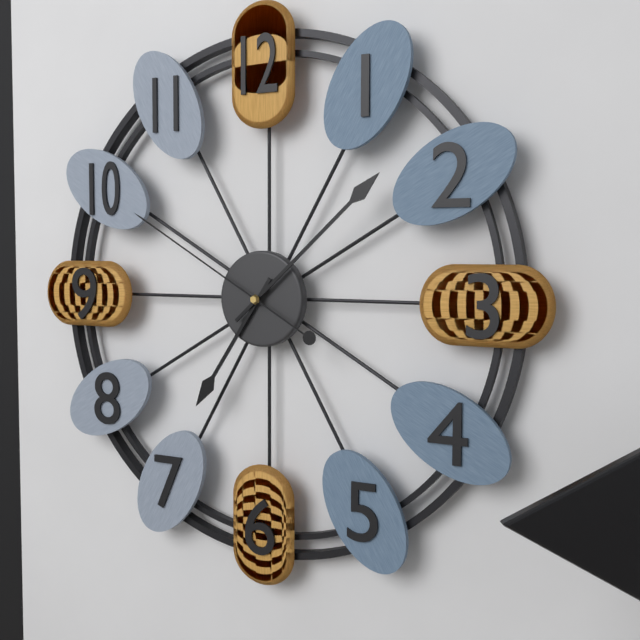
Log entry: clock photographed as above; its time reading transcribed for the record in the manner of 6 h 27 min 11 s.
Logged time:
7 h 08 min 50 s
